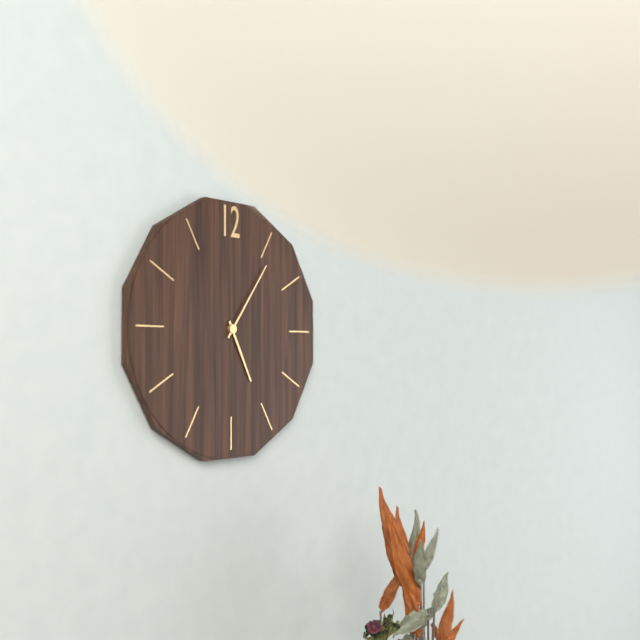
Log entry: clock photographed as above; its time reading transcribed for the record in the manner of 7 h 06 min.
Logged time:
5 h 06 min
